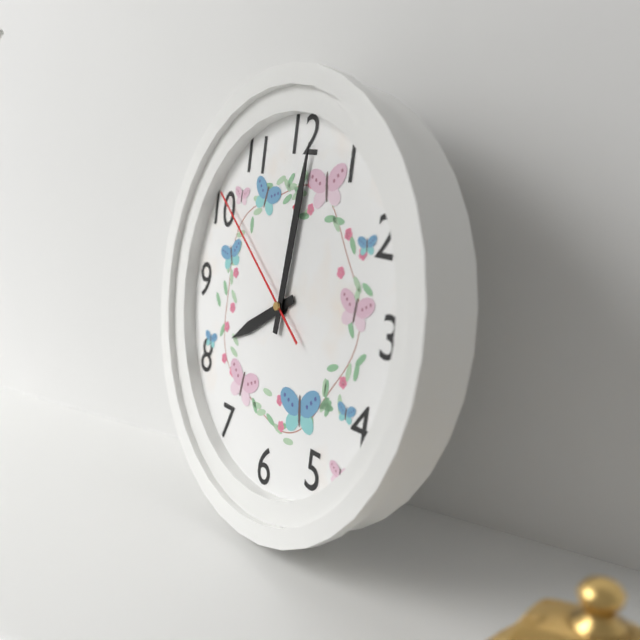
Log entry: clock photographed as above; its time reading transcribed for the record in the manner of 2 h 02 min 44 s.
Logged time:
8 h 01 min 51 s
